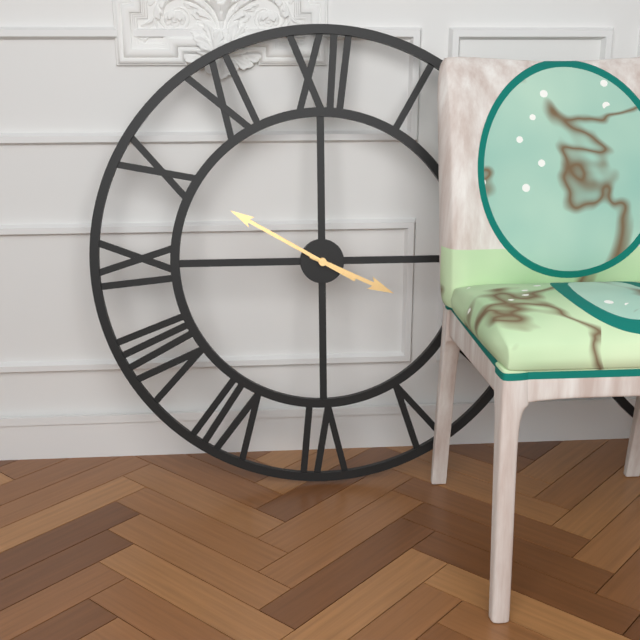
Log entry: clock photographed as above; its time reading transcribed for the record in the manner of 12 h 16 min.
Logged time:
3 h 50 min
